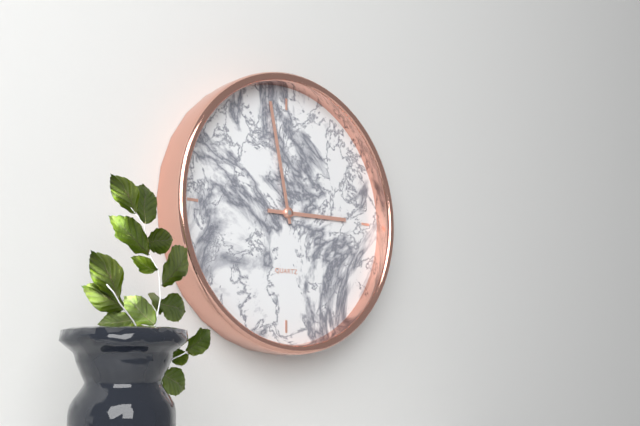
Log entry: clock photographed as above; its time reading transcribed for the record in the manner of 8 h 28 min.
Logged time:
2 h 58 min
